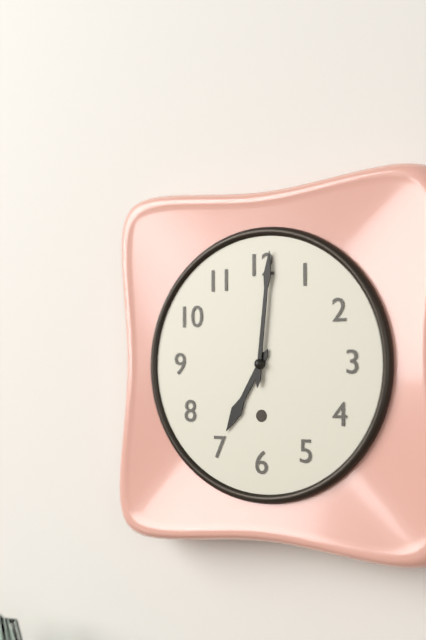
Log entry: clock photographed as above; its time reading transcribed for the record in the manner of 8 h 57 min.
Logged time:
7 h 01 min
